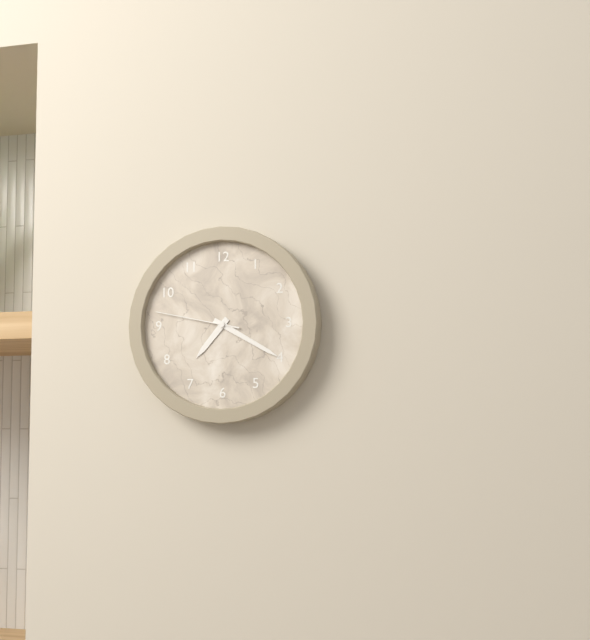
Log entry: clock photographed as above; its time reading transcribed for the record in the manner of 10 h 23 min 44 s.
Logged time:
7 h 20 min 47 s
